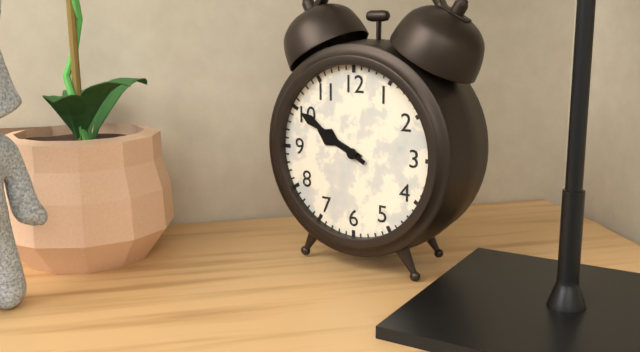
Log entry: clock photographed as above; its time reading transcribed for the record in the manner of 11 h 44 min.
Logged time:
9 h 50 min
